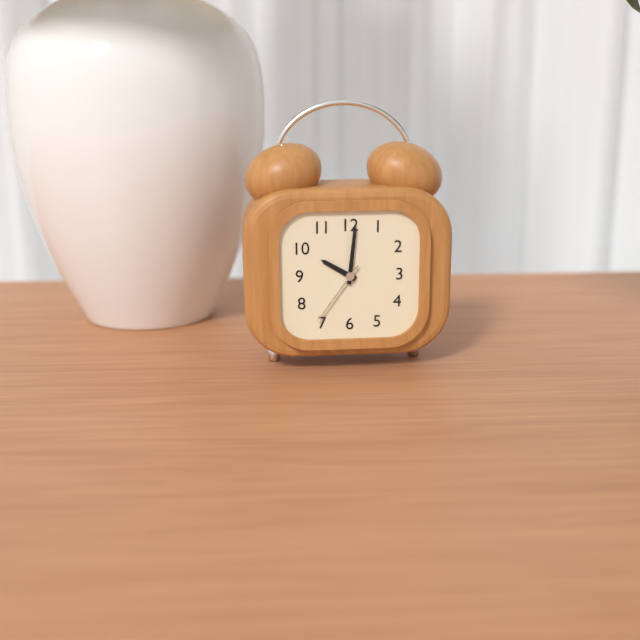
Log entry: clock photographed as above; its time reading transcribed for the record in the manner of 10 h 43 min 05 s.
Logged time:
10 h 01 min 36 s
